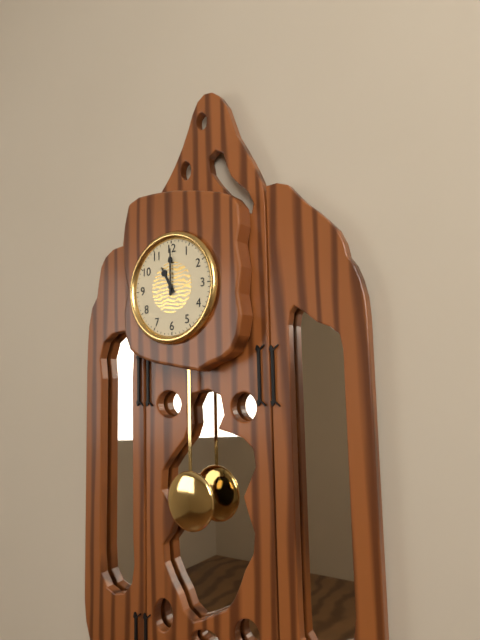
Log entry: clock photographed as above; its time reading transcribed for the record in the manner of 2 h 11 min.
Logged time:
11 h 00 min
